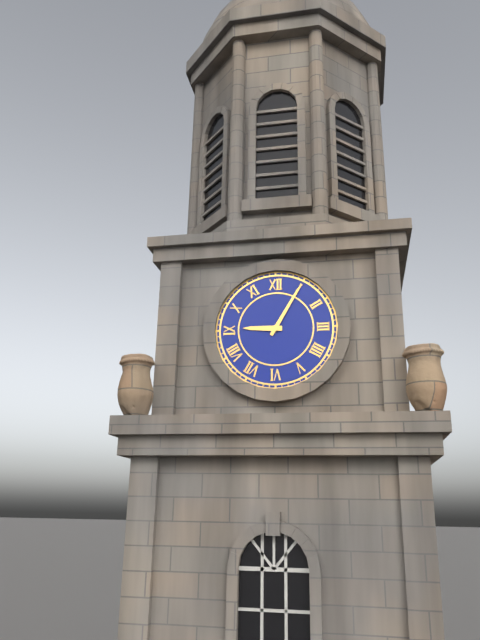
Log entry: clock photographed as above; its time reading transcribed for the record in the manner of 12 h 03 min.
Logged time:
9 h 05 min
